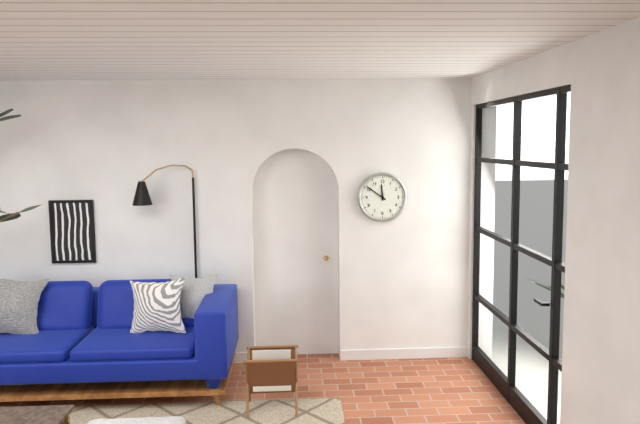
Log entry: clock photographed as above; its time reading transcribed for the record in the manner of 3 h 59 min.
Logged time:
11 h 51 min
